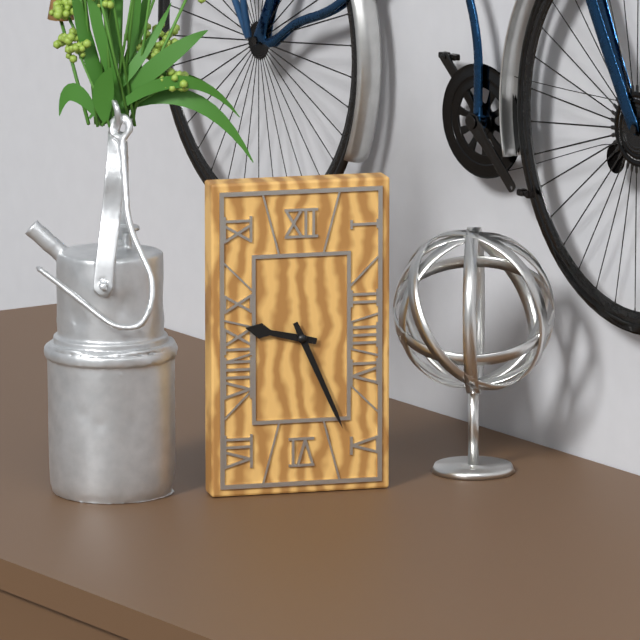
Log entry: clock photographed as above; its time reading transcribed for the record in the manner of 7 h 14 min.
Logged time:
9 h 26 min
